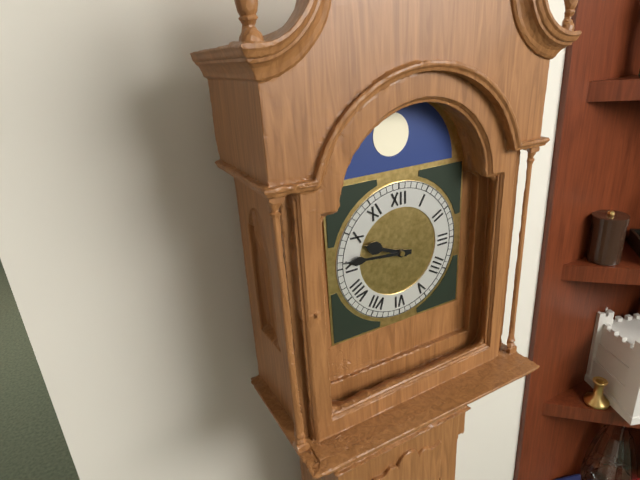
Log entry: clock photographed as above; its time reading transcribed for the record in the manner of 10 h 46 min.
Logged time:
9 h 46 min
